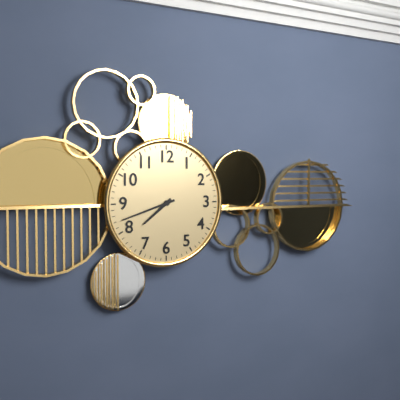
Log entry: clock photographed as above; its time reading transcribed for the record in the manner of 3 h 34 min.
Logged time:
7 h 42 min
